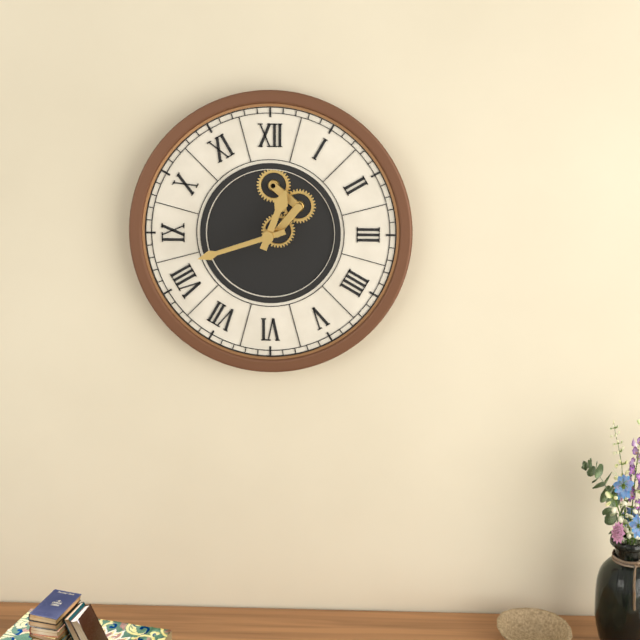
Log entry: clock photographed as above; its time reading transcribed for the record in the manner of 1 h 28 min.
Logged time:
12 h 42 min
